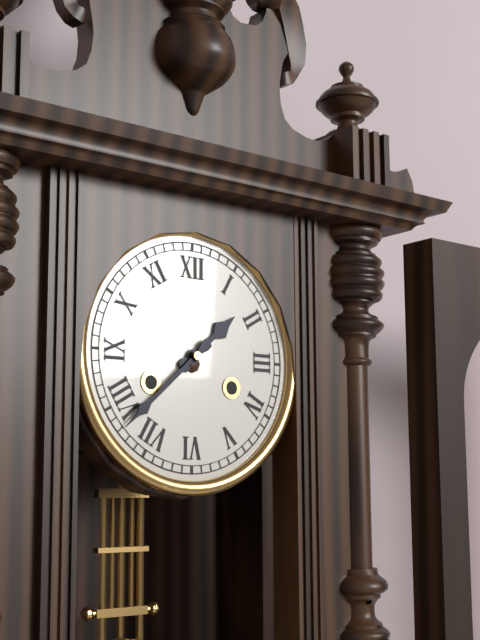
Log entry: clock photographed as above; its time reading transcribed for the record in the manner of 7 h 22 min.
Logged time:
1 h 38 min
